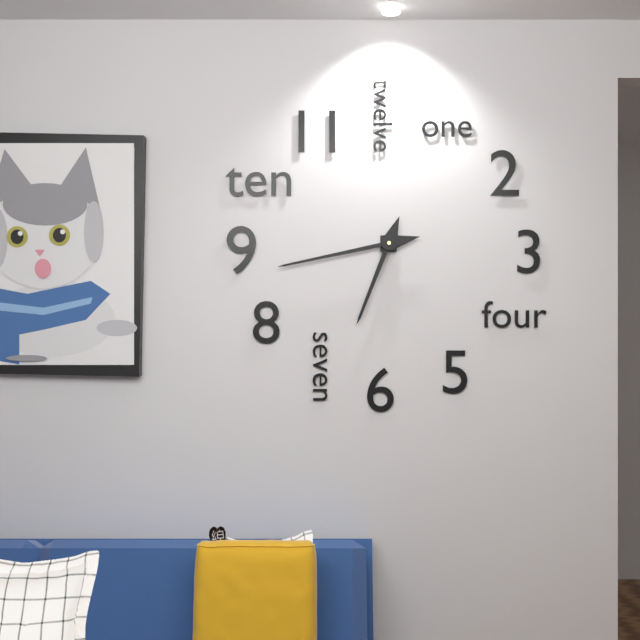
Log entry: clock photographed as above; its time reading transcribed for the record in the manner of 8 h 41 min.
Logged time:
6 h 43 min
